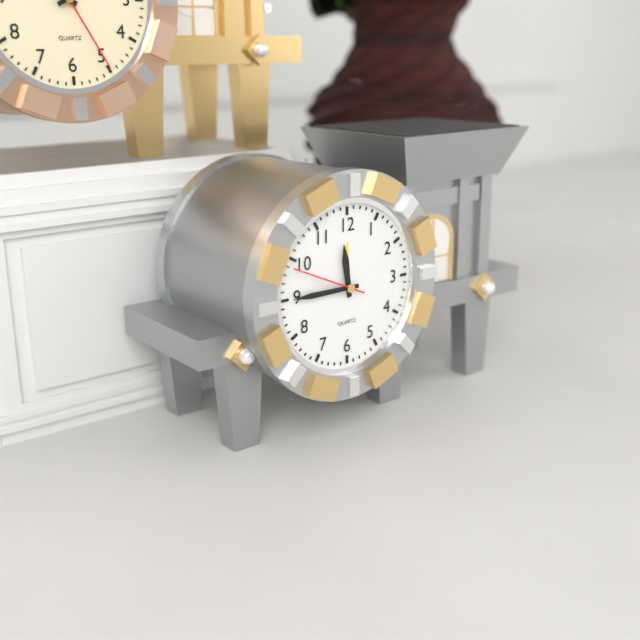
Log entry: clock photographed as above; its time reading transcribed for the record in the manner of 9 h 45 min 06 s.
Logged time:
11 h 45 min 49 s
